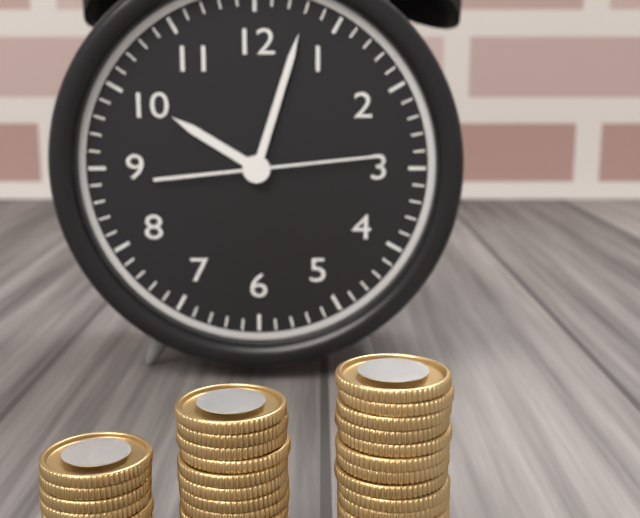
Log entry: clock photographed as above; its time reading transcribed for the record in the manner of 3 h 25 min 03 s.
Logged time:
10 h 03 min 14 s
